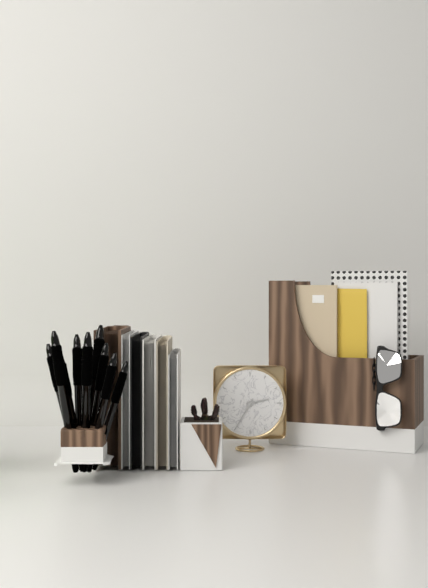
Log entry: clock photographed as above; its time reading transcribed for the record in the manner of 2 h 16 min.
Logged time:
2 h 35 min
